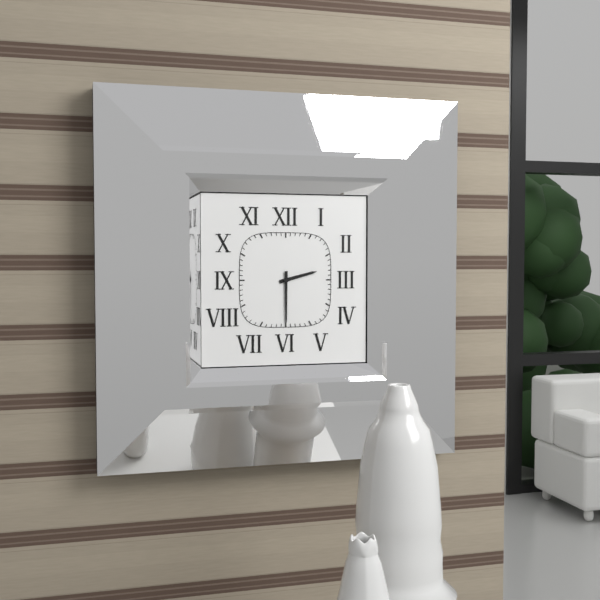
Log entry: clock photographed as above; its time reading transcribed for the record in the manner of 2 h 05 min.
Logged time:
2 h 30 min
